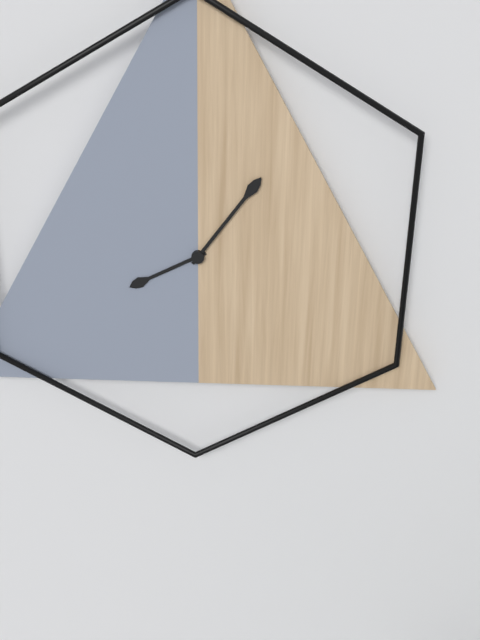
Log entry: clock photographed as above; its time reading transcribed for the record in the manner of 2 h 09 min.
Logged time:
8 h 06 min
